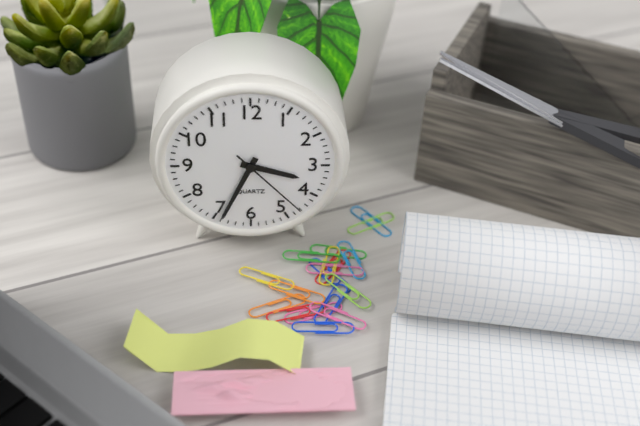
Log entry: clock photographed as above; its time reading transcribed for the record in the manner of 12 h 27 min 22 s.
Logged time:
3 h 34 min 23 s
